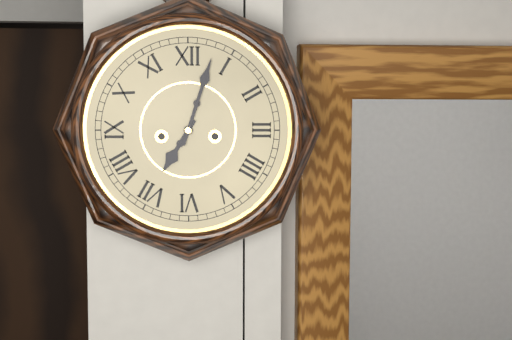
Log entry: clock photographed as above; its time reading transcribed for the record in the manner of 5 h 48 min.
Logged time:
7 h 03 min
